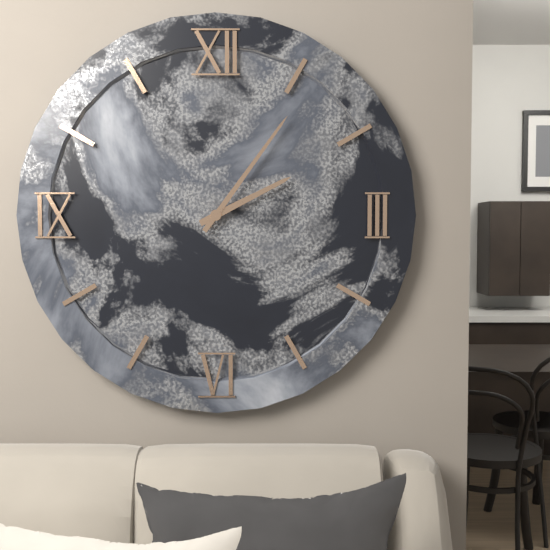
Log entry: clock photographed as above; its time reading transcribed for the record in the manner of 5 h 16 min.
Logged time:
2 h 06 min
